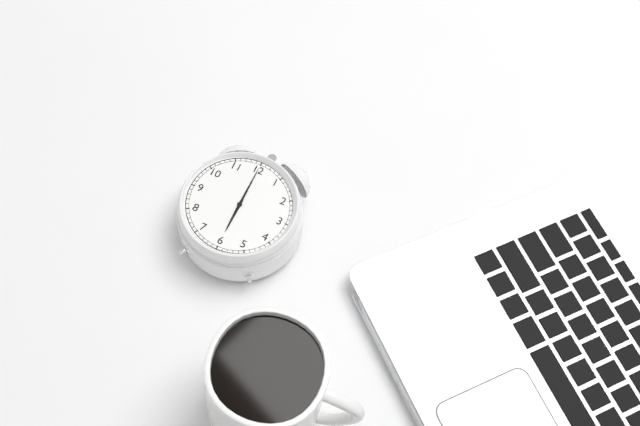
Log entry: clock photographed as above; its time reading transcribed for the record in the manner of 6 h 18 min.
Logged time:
6 h 00 min
